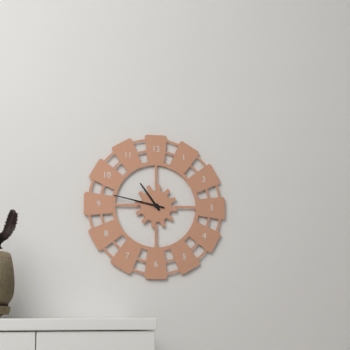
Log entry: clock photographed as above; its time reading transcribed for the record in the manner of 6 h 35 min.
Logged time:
10 h 47 min
